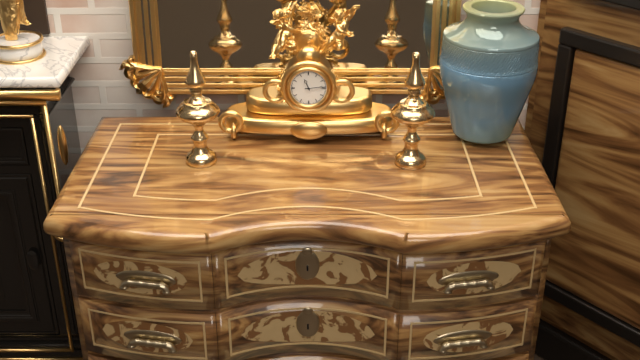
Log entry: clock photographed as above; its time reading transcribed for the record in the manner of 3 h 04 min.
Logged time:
11 h 14 min
